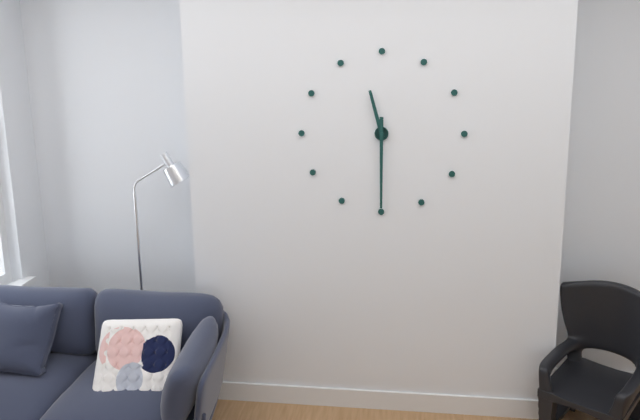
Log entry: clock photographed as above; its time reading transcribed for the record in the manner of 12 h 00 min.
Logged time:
11 h 30 min
